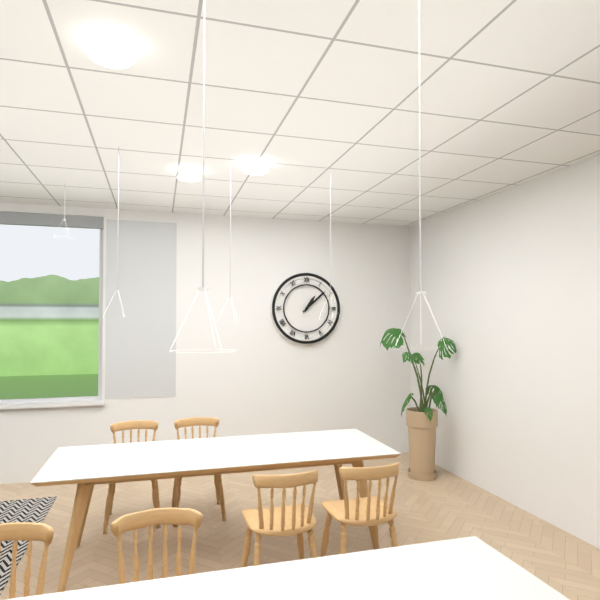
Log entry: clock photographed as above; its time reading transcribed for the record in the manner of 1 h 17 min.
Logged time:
1 h 08 min
